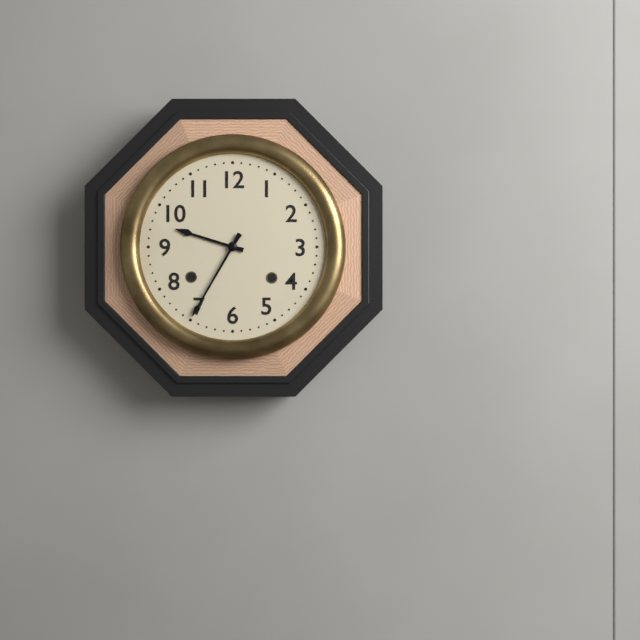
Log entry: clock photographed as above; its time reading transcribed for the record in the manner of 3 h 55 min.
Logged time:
9 h 35 min
